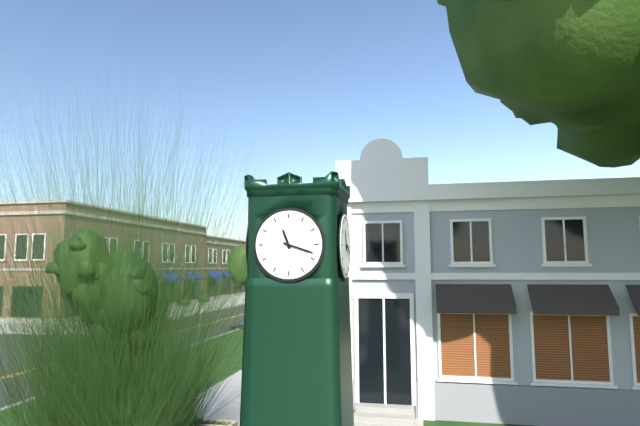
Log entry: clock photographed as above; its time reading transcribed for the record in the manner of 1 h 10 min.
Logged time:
11 h 18 min
